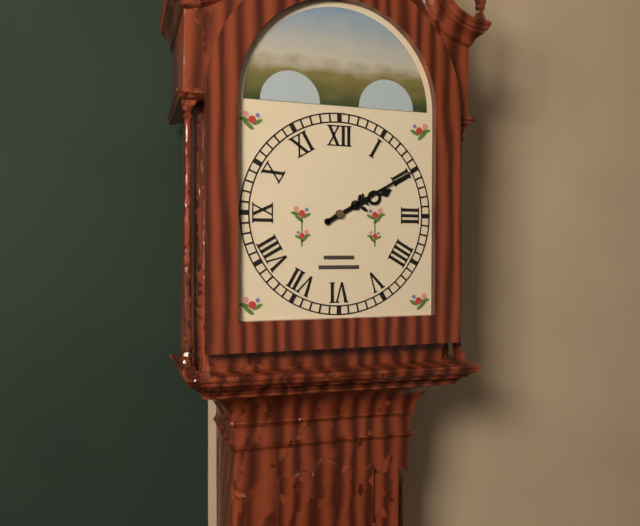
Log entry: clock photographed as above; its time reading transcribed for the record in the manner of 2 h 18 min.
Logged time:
2 h 10 min
